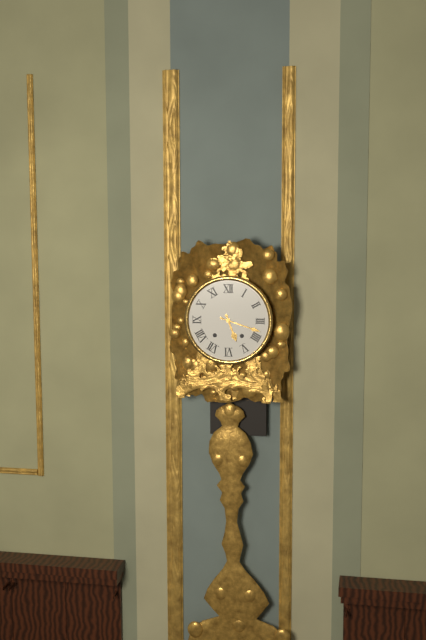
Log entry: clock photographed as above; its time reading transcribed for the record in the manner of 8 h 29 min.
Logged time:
5 h 18 min
